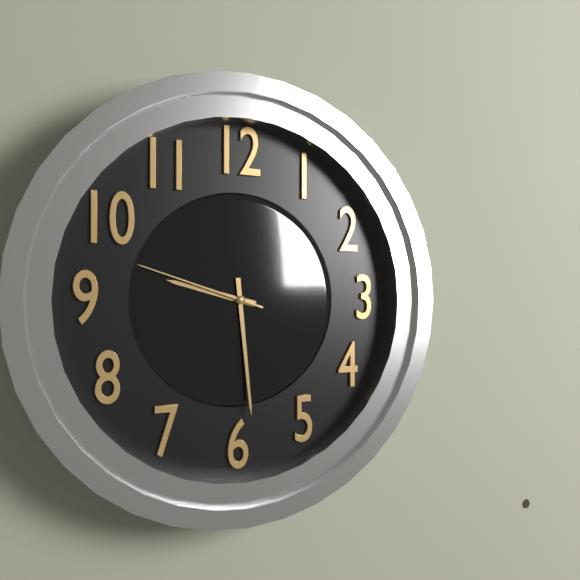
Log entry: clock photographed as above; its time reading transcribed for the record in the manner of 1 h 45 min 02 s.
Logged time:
9 h 29 min 48 s
